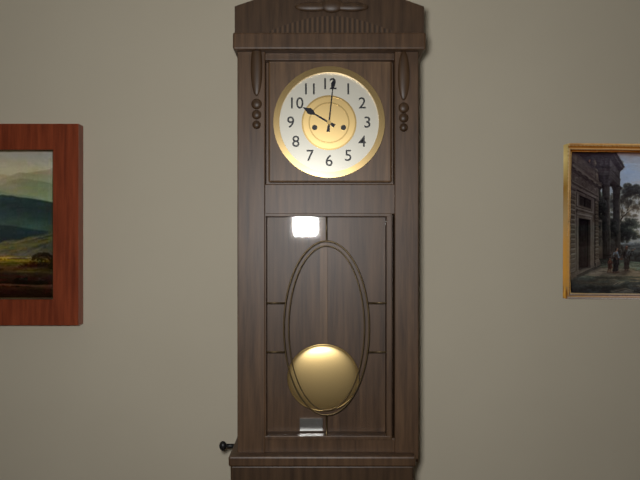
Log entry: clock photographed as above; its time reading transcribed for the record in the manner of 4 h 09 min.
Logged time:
10 h 01 min
